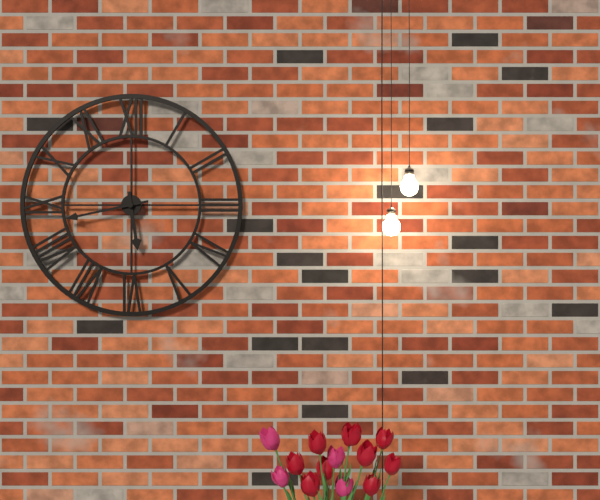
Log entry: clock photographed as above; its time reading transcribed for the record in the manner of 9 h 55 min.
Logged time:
5 h 43 min
